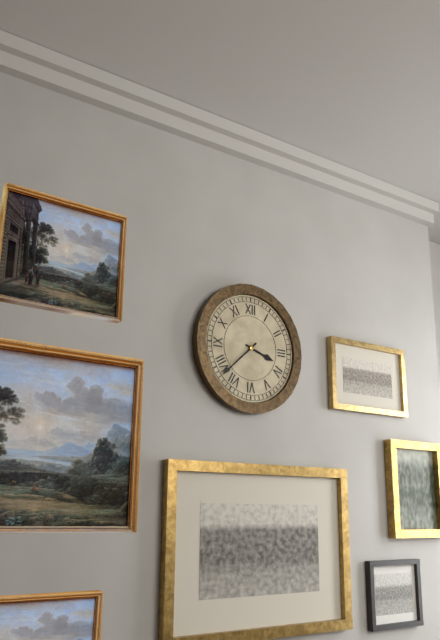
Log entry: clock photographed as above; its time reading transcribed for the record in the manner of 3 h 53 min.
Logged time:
3 h 38 min
